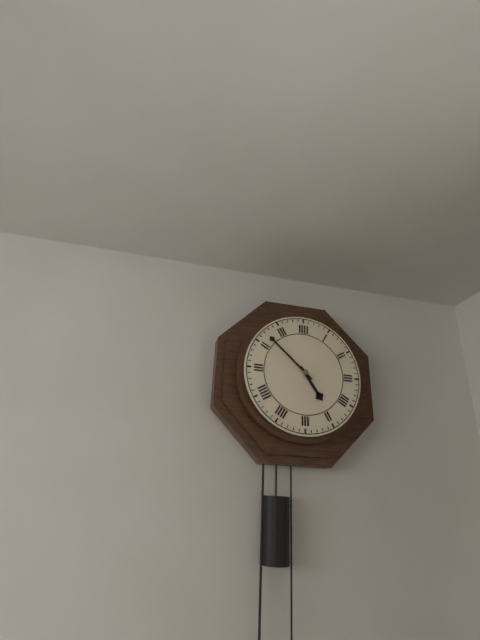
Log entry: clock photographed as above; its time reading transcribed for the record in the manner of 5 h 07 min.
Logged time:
4 h 52 min
